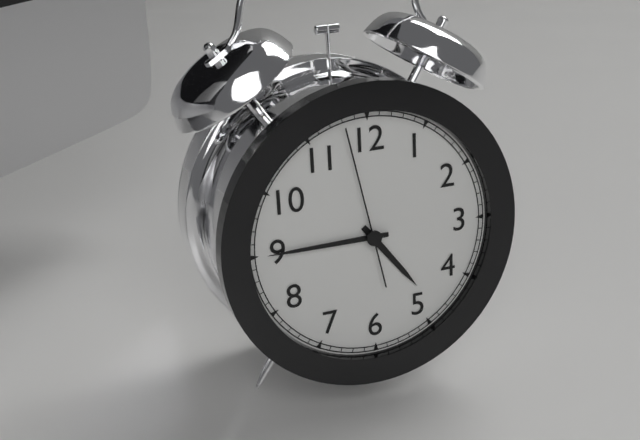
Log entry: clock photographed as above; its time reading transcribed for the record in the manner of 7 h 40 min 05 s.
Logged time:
4 h 45 min 58 s
